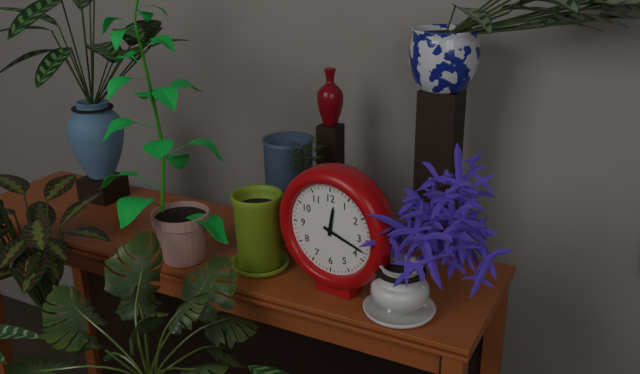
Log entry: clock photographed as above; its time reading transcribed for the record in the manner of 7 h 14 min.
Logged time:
12 h 18 min
